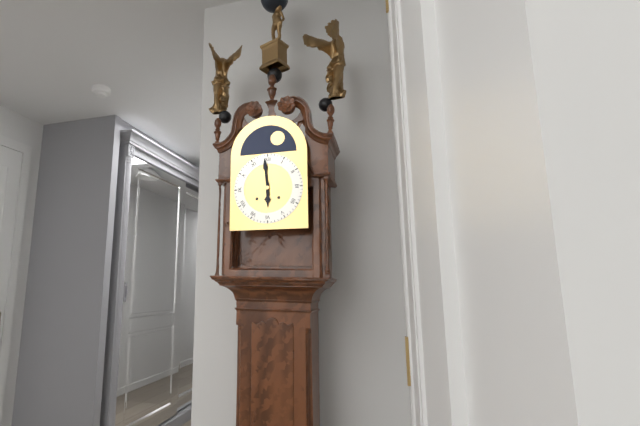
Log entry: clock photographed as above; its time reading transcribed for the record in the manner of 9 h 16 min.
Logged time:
5 h 59 min
